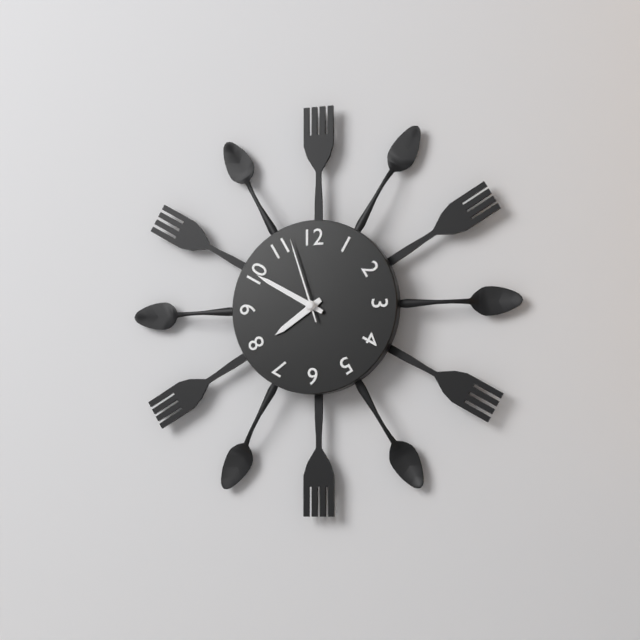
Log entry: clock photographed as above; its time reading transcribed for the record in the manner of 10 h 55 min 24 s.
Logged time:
7 h 50 min 57 s
